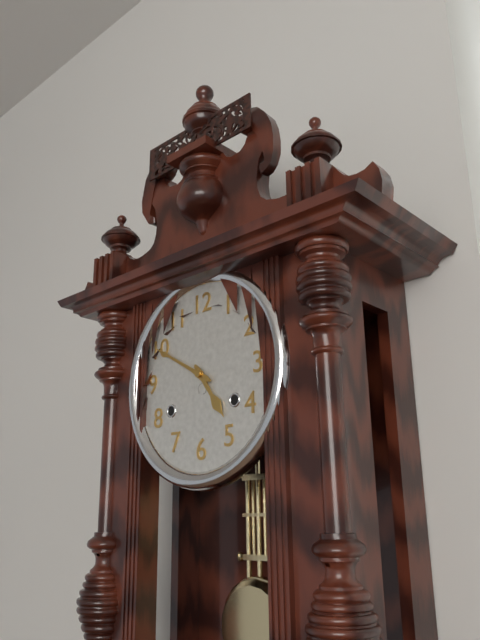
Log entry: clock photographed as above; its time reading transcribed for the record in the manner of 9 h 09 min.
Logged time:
4 h 50 min
